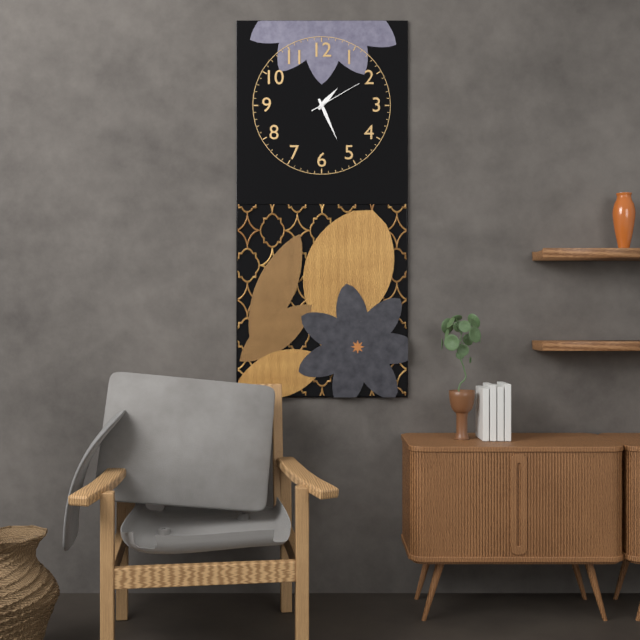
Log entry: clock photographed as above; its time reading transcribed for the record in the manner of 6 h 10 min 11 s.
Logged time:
1 h 26 min 10 s
